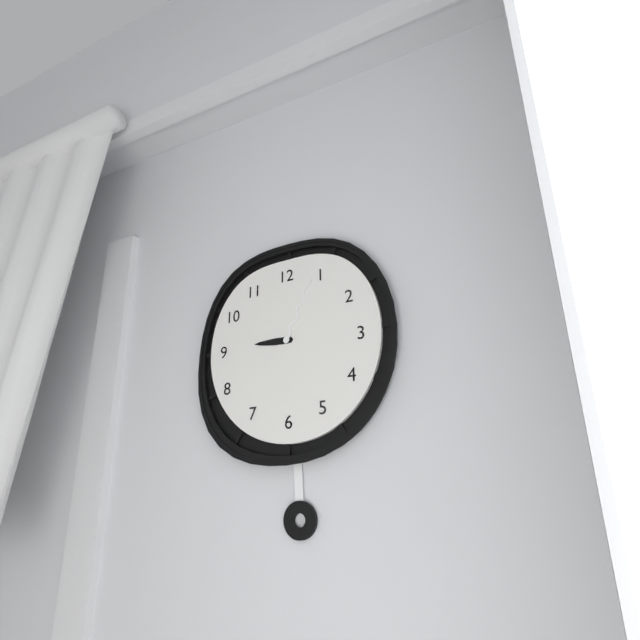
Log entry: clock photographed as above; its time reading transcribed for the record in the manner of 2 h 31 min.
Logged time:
9 h 04 min
